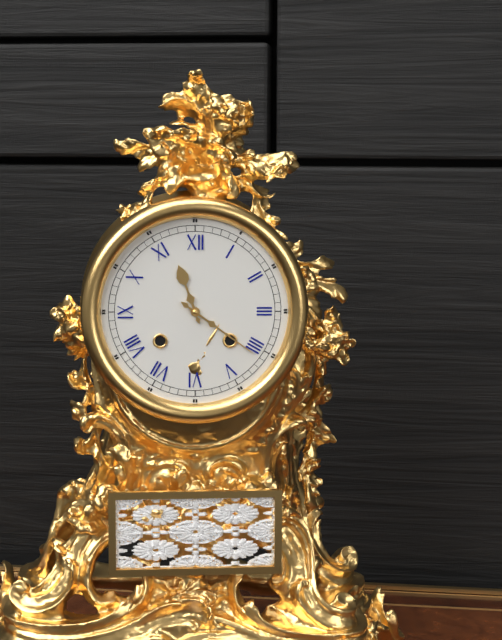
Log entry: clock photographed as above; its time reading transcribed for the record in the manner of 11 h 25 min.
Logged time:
11 h 21 min
